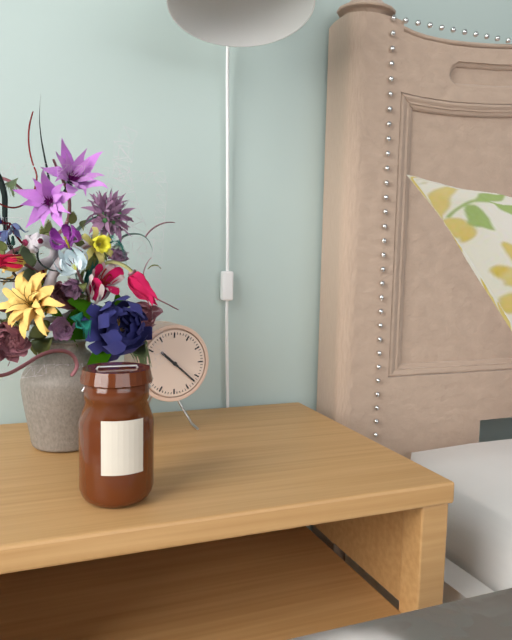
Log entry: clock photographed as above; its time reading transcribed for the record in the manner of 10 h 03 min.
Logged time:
10 h 22 min
